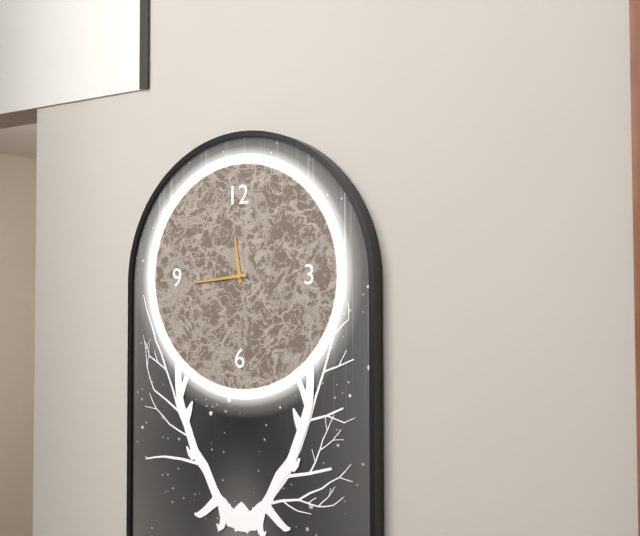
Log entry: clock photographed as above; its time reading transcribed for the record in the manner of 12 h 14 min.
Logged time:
11 h 44 min
